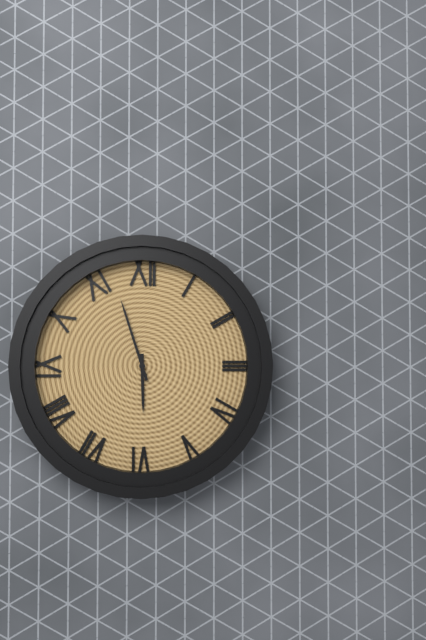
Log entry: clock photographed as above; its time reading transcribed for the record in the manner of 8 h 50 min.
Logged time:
5 h 57 min
